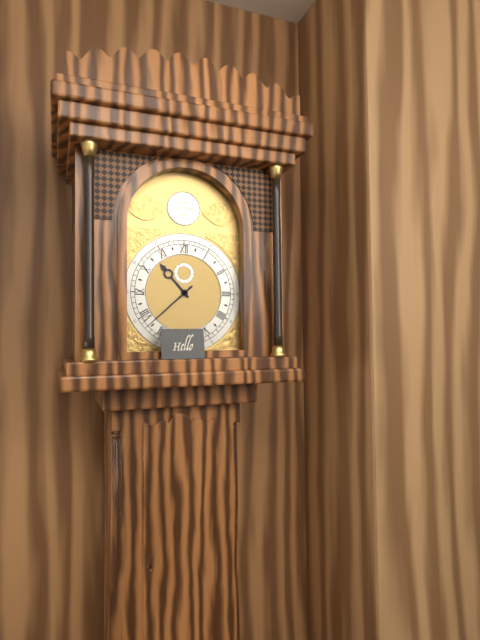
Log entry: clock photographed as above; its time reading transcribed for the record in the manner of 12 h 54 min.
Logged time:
10 h 38 min
